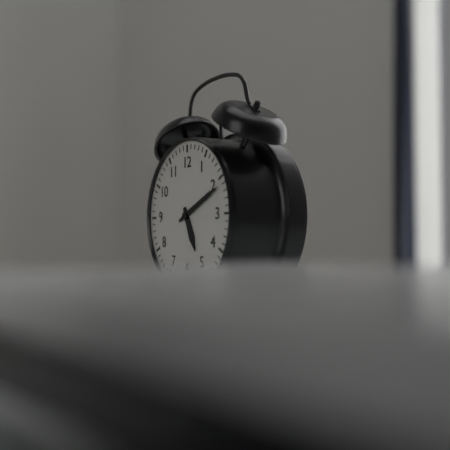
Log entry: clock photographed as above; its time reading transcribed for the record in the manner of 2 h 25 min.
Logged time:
5 h 11 min
